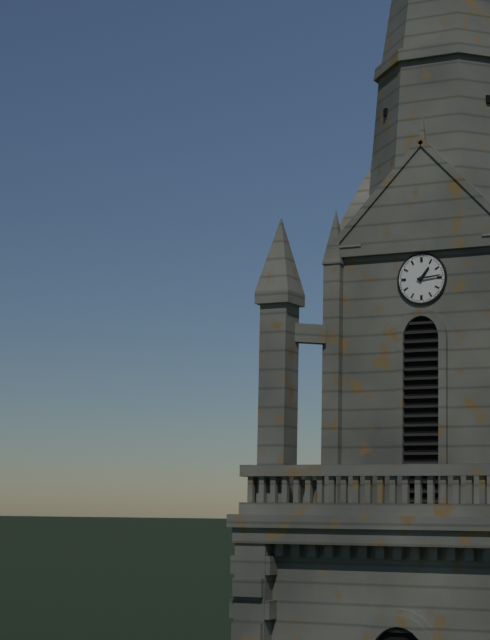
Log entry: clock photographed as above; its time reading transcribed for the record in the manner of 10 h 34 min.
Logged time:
1 h 14 min
